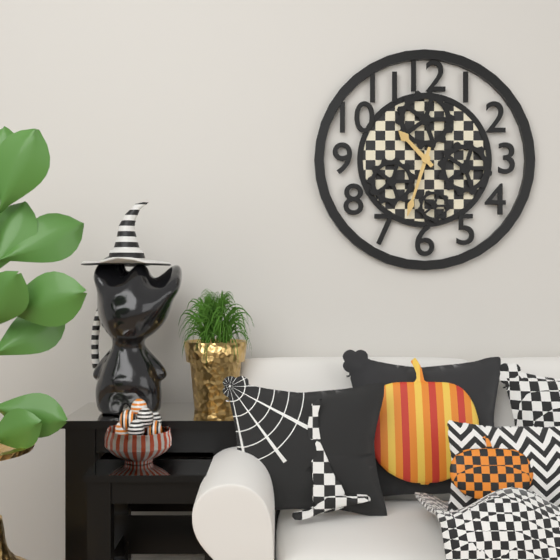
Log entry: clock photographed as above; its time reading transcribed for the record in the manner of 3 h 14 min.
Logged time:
10 h 33 min
